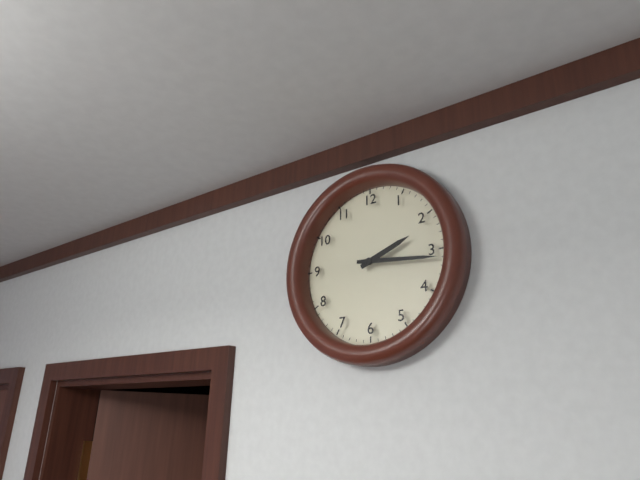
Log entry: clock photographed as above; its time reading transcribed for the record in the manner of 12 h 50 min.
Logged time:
2 h 16 min
